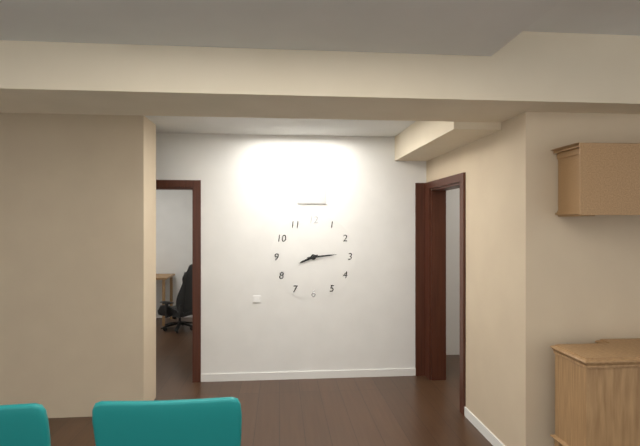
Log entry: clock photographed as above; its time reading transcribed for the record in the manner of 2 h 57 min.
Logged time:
8 h 14 min
